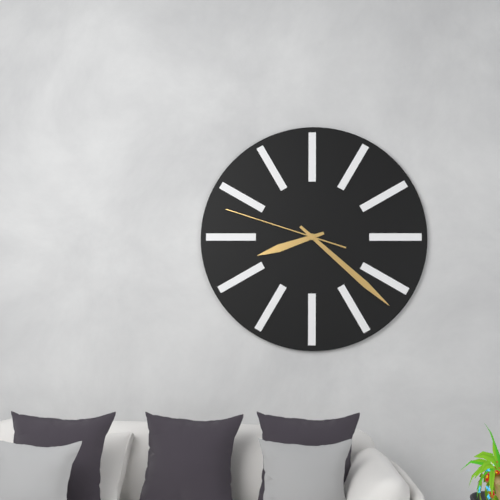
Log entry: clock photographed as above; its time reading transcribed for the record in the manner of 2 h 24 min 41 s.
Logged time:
8 h 22 min 48 s
